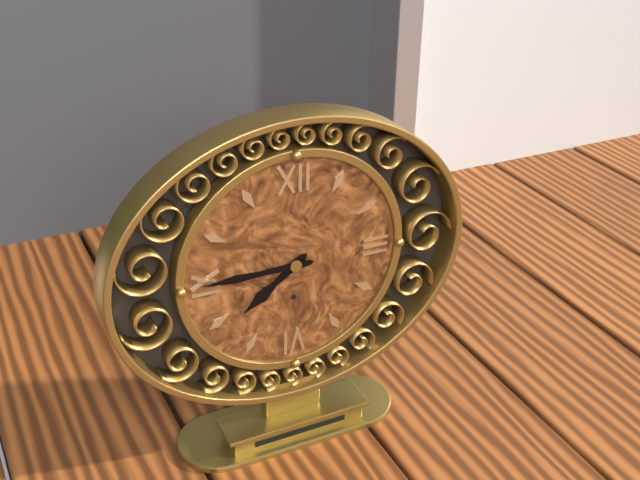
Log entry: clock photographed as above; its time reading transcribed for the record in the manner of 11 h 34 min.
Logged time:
7 h 45 min
